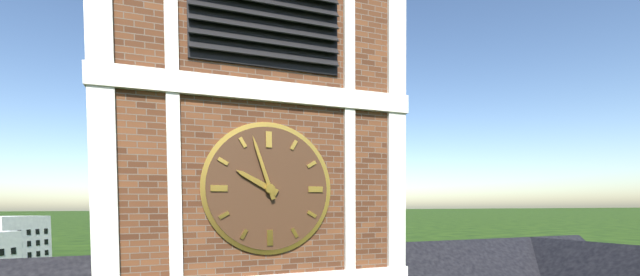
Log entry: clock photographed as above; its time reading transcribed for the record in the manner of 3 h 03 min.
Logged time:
9 h 57 min
